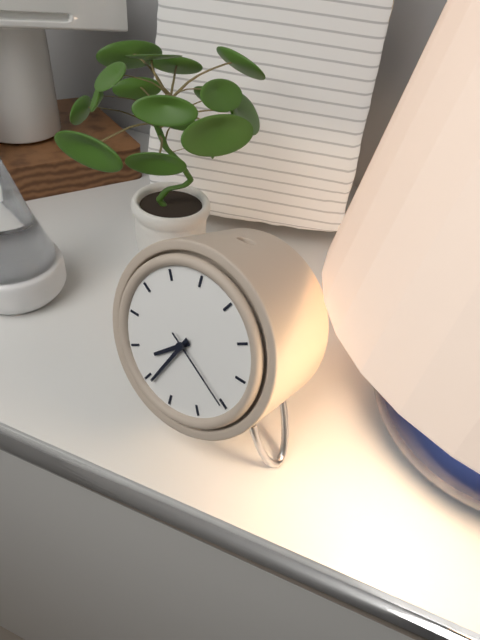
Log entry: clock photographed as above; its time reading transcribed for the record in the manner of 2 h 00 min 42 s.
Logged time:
7 h 34 min 20 s
